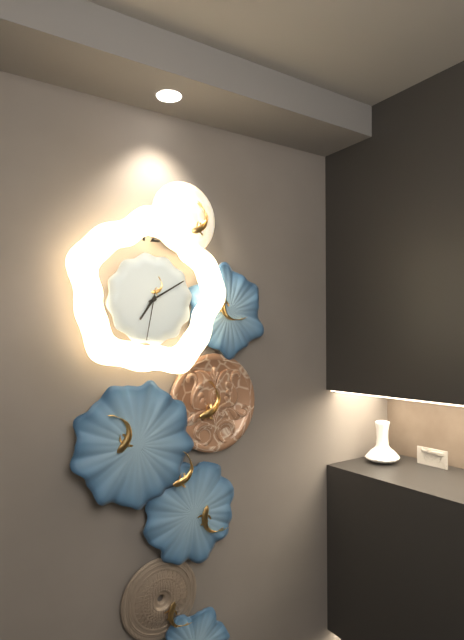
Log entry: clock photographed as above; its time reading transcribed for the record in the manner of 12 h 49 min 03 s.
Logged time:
7 h 10 min 32 s
